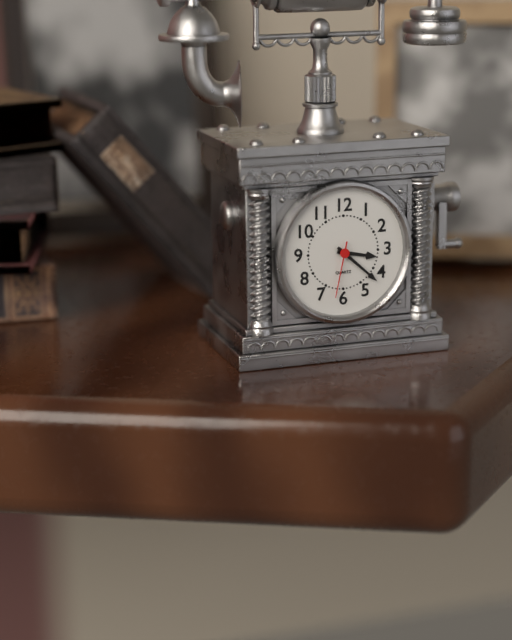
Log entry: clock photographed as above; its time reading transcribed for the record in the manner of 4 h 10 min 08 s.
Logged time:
3 h 22 min 32 s
